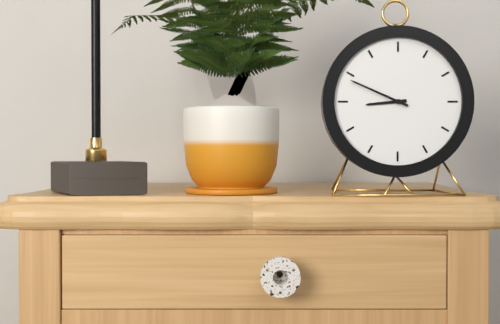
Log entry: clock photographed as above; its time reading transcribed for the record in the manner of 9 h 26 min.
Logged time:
8 h 49 min
